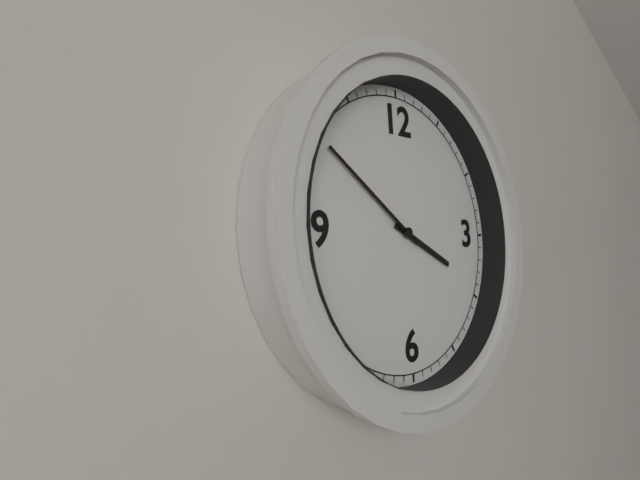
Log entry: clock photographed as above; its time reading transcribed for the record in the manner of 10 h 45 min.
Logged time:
3 h 51 min
